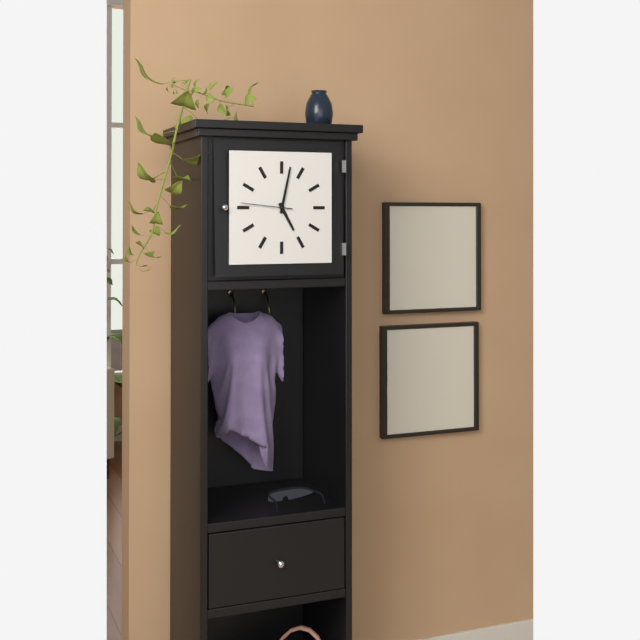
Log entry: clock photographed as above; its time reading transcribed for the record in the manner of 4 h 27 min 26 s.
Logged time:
5 h 02 min 46 s
